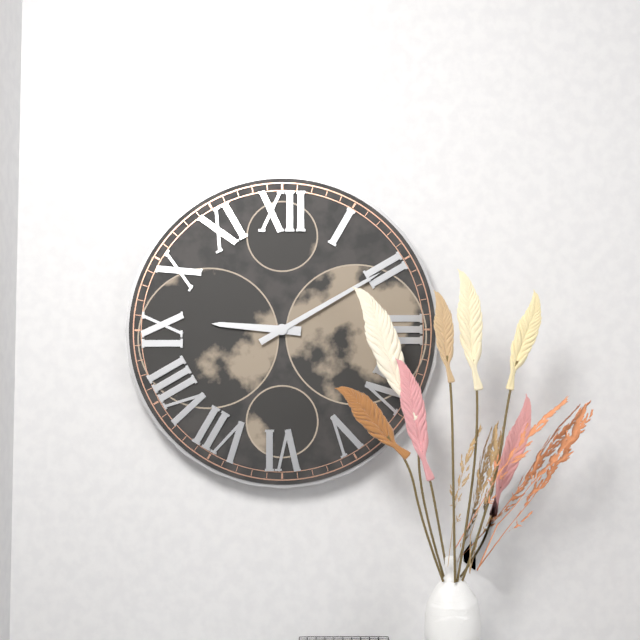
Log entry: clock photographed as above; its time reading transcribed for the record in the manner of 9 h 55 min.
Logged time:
9 h 10 min
